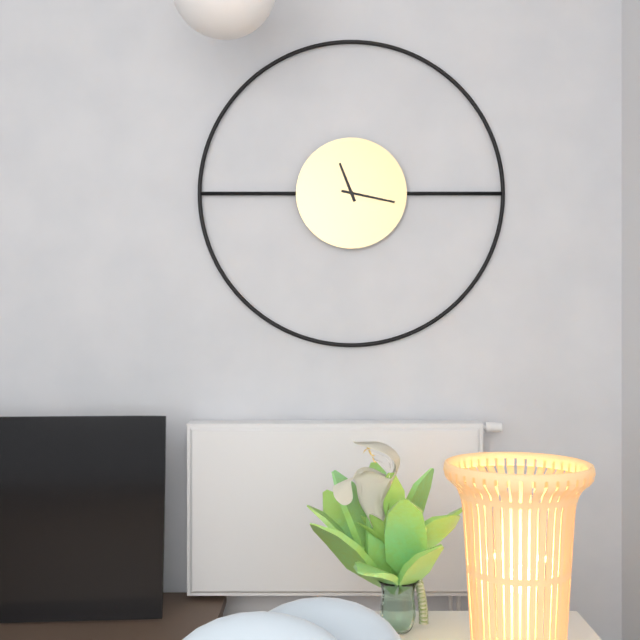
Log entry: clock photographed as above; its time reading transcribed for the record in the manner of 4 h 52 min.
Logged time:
11 h 17 min
